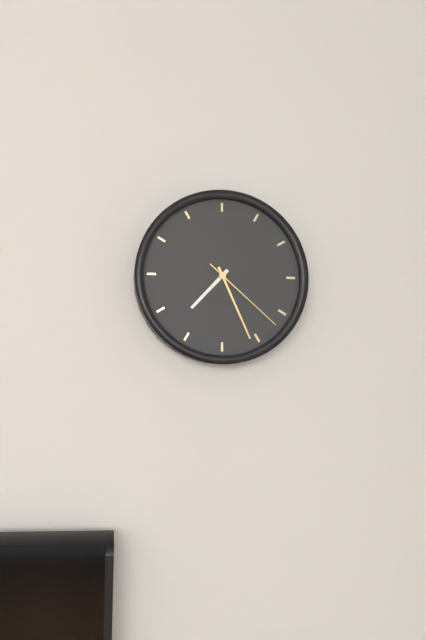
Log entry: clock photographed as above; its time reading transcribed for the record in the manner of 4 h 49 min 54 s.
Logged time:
7 h 26 min 22 s
